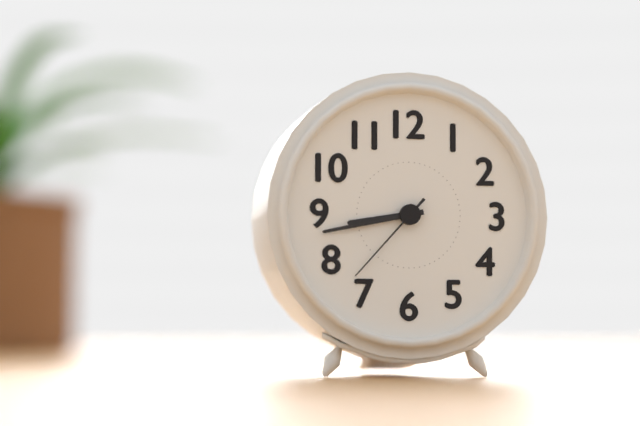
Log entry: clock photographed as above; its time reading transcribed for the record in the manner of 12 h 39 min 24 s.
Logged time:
8 h 43 min 37 s
